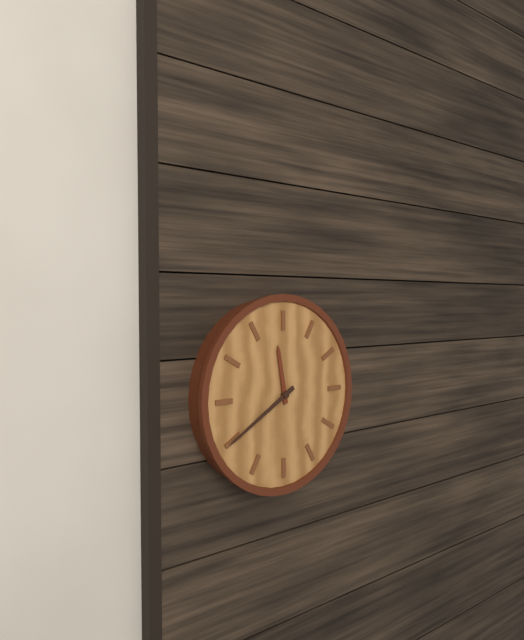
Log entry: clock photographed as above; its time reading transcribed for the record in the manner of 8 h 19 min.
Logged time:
11 h 40 min
